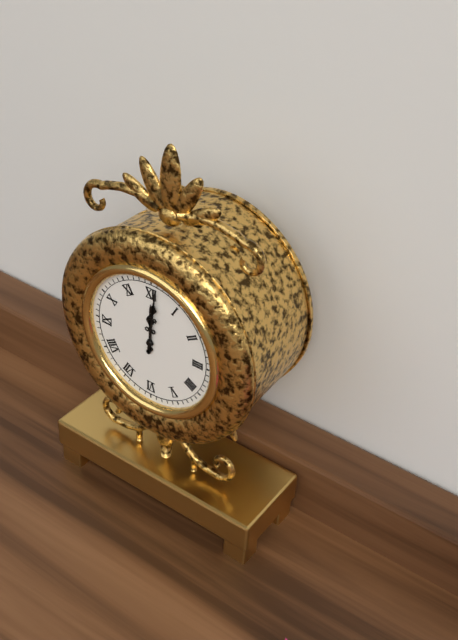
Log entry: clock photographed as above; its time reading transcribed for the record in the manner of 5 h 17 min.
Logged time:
12 h 01 min
